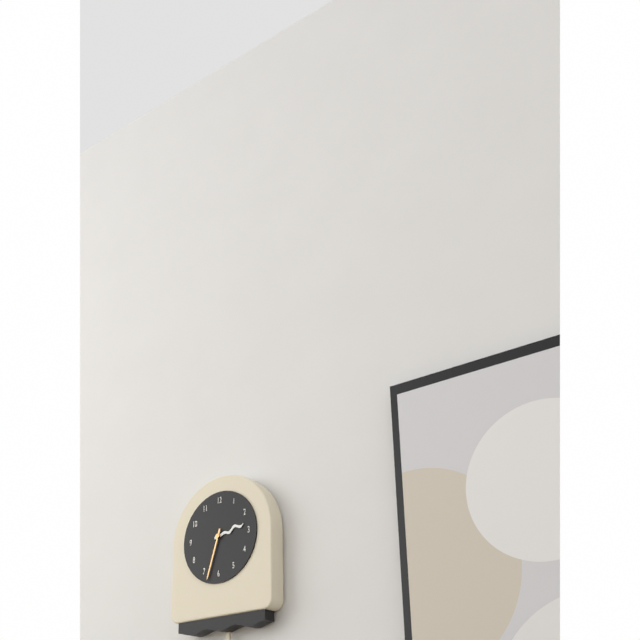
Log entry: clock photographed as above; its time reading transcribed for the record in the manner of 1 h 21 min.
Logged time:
2 h 33 min
